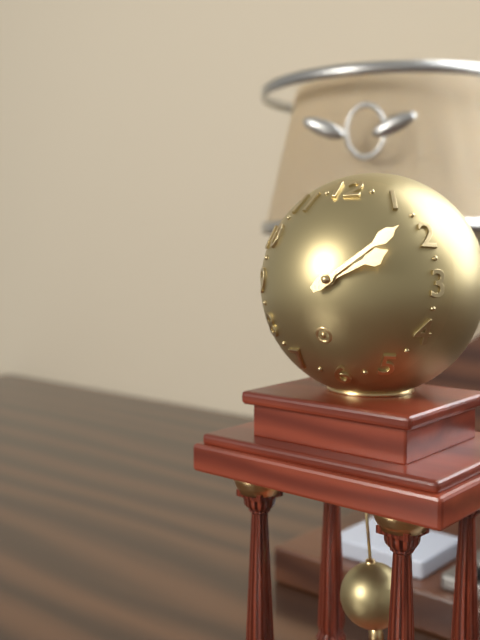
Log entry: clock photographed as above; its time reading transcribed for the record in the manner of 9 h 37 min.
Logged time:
2 h 09 min
